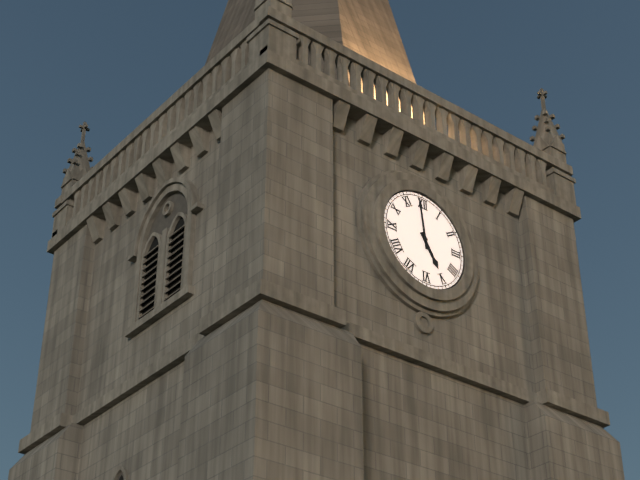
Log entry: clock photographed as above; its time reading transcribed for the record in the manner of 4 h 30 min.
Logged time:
4 h 59 min
